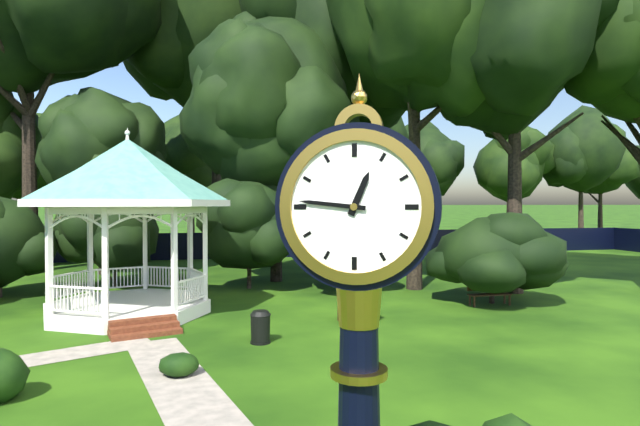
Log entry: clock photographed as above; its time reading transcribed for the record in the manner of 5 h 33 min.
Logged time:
12 h 46 min
